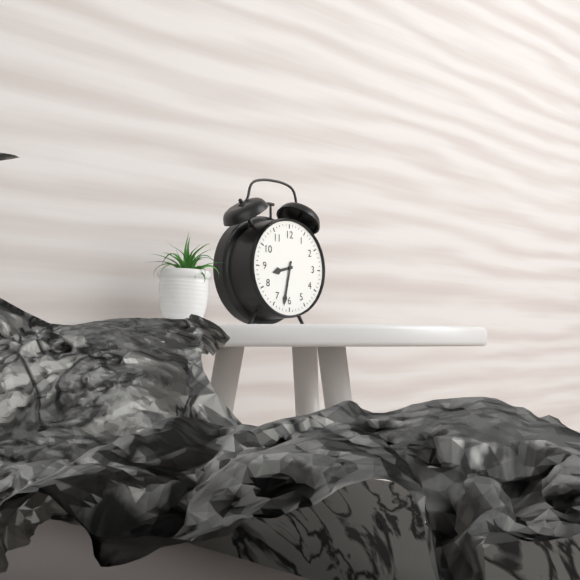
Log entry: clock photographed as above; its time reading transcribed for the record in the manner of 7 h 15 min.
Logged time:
8 h 32 min
